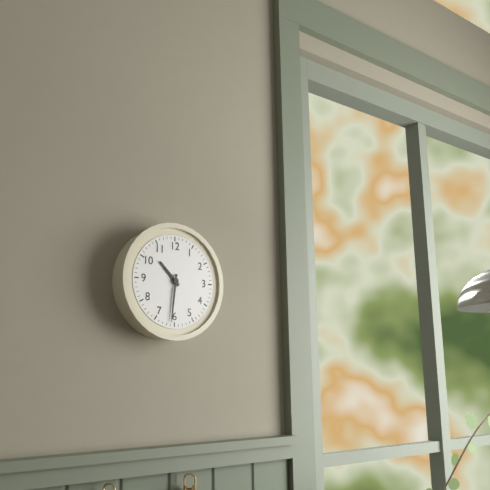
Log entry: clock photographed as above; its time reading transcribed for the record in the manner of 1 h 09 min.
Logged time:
10 h 31 min
